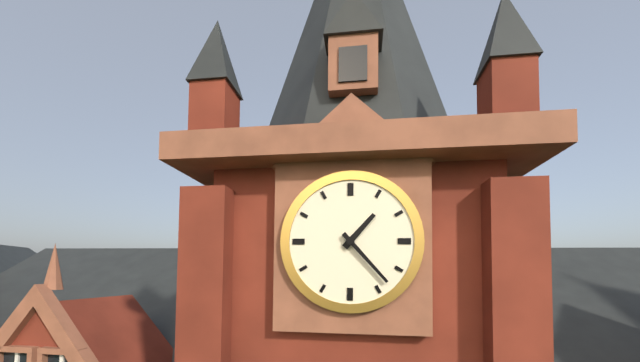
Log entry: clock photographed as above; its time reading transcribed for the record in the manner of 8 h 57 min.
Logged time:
1 h 23 min
